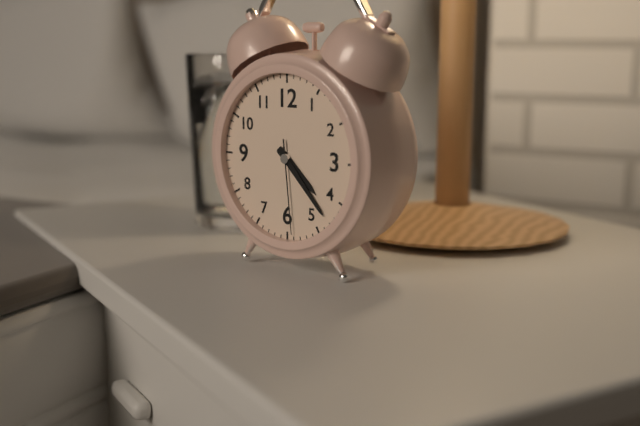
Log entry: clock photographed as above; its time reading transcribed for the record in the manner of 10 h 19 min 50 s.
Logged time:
4 h 23 min 29 s
